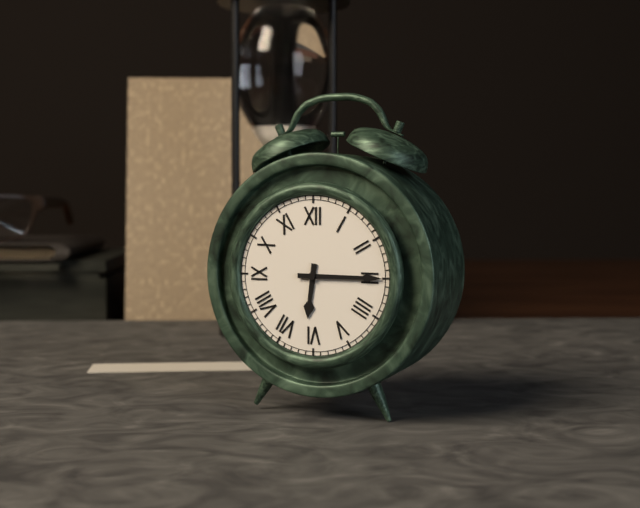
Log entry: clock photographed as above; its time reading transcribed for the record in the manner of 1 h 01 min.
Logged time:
6 h 15 min
